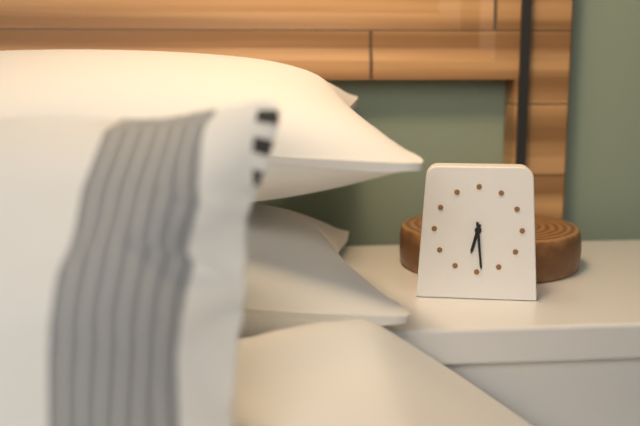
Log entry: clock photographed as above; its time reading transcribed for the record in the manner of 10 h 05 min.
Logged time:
6 h 29 min
